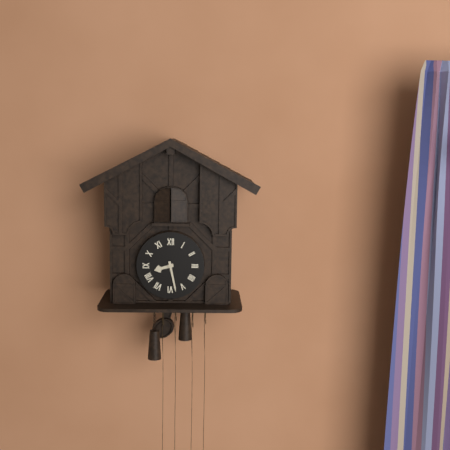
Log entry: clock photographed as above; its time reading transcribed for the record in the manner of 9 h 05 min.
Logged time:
8 h 28 min
